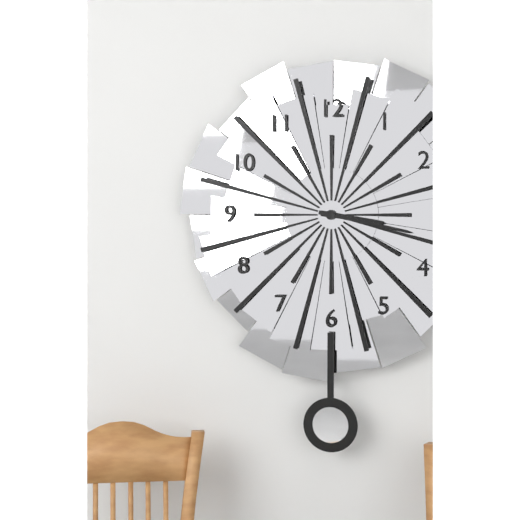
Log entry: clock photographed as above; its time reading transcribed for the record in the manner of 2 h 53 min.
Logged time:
3 h 17 min
